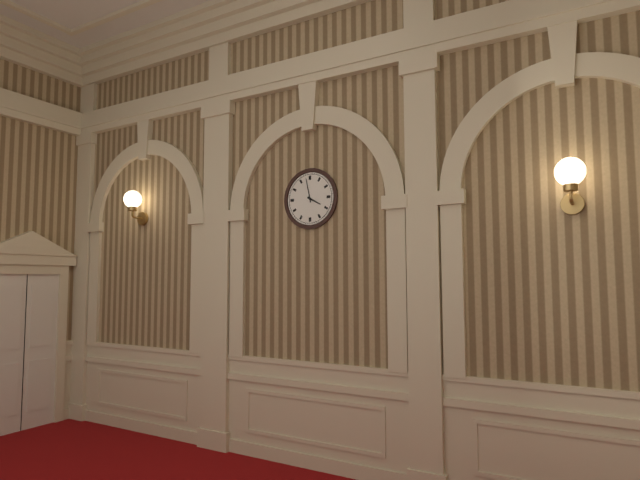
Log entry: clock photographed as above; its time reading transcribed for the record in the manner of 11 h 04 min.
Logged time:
3 h 58 min
